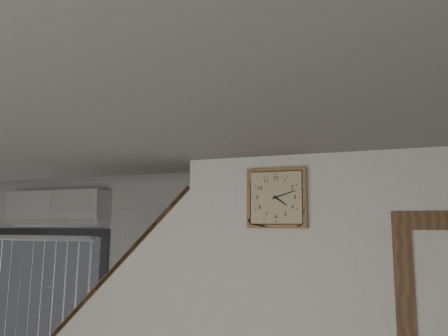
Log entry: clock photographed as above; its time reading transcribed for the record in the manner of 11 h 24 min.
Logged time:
4 h 12 min
